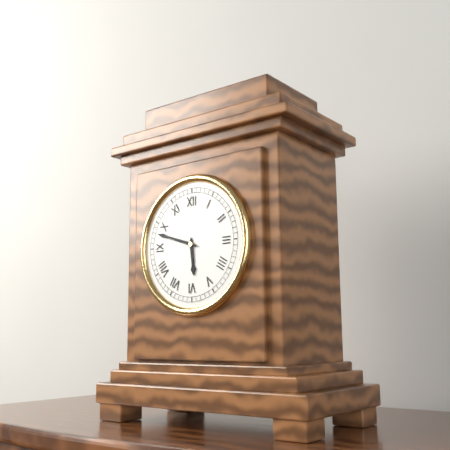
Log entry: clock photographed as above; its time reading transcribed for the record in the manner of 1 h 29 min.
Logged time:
5 h 48 min
